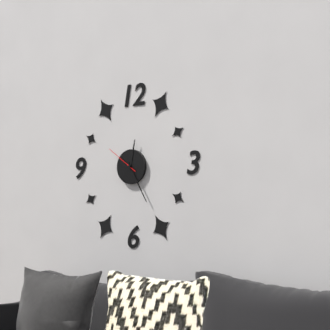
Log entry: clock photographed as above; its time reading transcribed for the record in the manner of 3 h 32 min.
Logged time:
12 h 25 min
